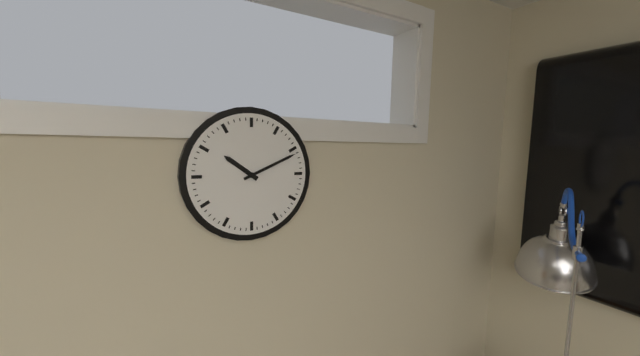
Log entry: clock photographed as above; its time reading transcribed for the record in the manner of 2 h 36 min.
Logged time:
10 h 11 min
